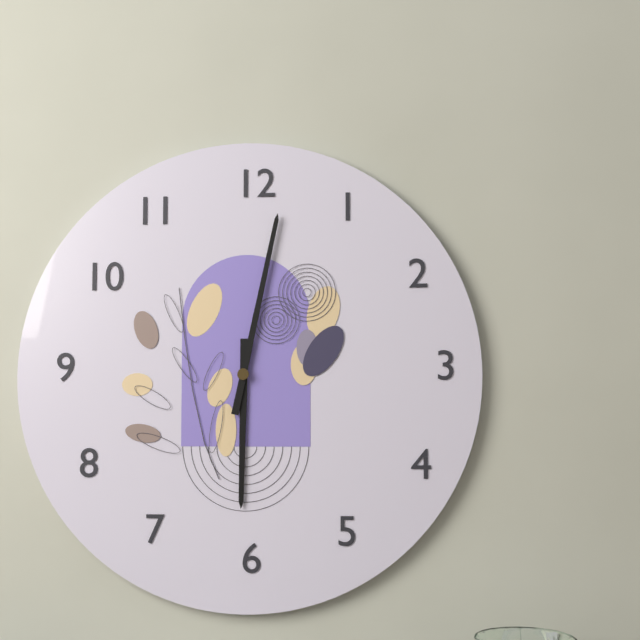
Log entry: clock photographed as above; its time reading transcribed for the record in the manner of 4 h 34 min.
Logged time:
6 h 02 min
